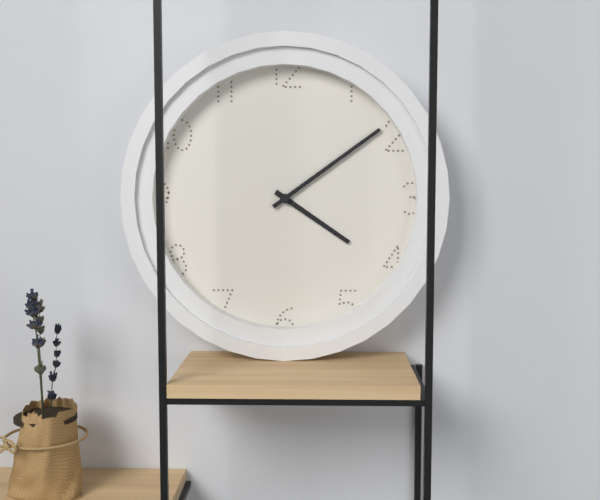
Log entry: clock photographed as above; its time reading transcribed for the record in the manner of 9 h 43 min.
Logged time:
4 h 09 min
